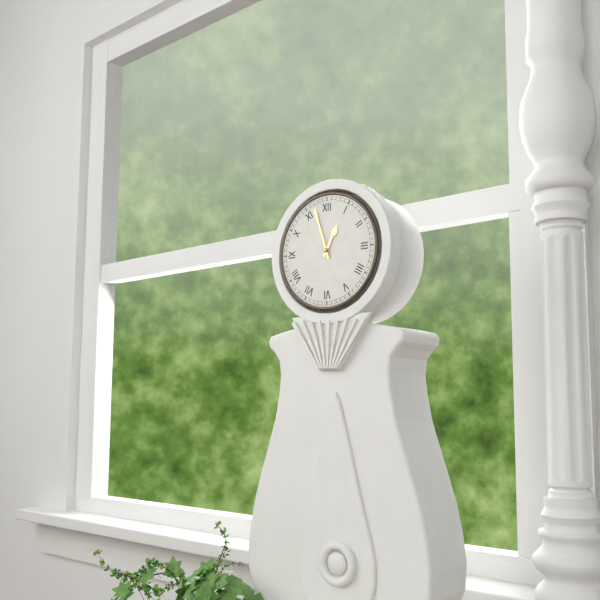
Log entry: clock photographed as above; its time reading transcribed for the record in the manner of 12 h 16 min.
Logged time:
12 h 57 min
